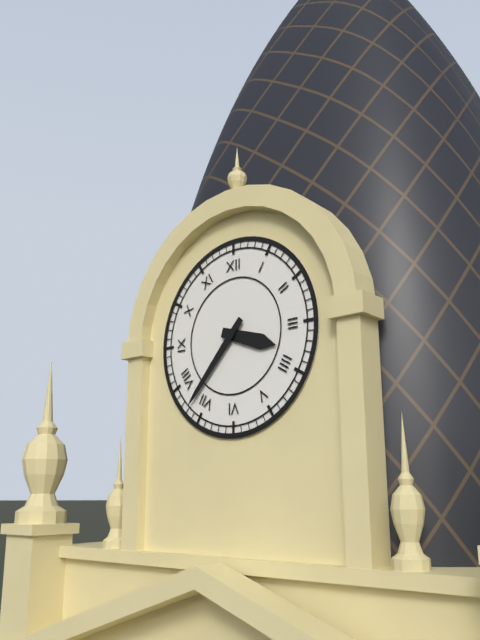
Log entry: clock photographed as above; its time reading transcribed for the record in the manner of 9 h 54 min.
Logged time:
3 h 37 min
